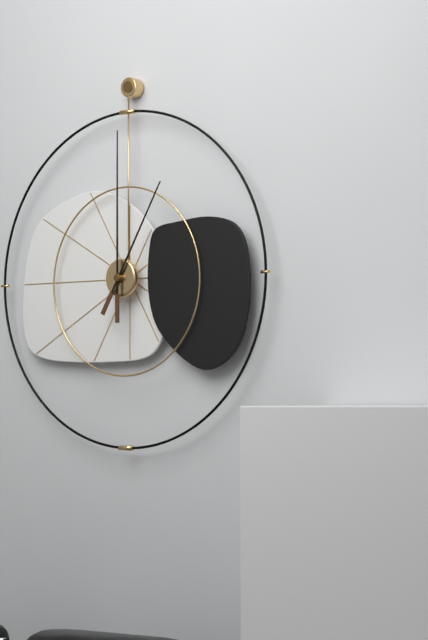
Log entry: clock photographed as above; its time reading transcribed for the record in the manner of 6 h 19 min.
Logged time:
1 h 00 min
